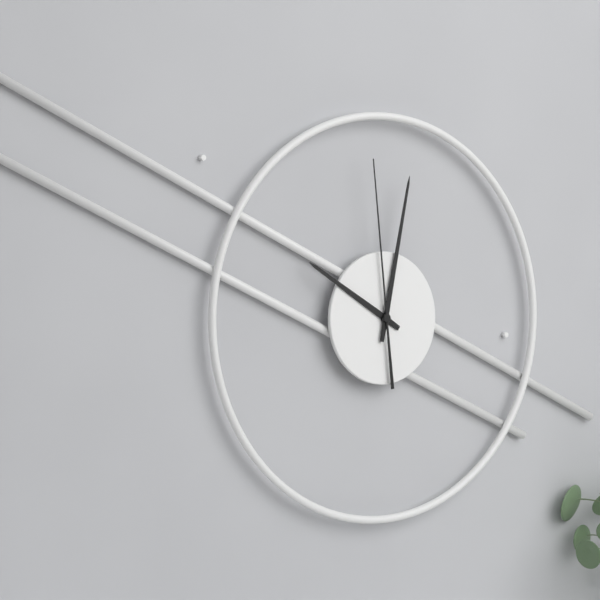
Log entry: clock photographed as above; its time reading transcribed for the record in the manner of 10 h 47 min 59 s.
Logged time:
10 h 02 min 59 s
